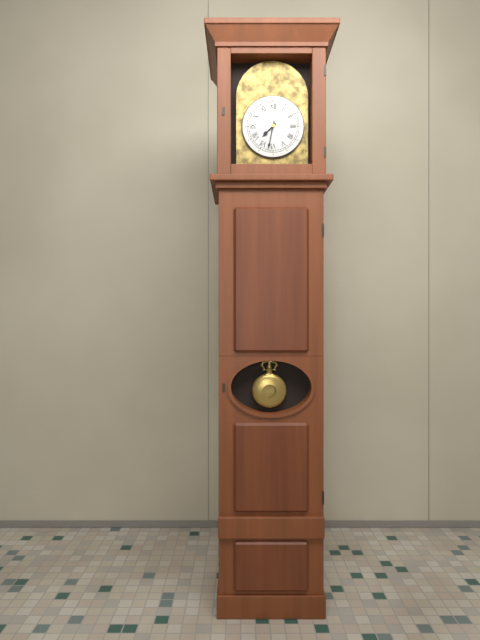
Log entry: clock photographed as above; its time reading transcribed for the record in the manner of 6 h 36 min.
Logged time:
7 h 32 min
